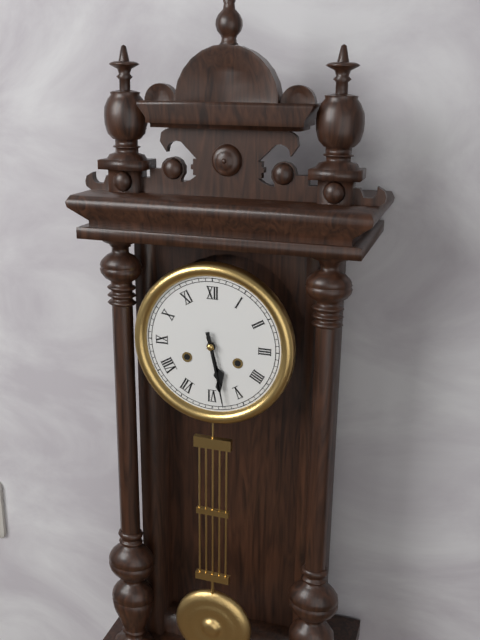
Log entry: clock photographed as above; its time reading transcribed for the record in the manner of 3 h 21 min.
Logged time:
5 h 28 min
